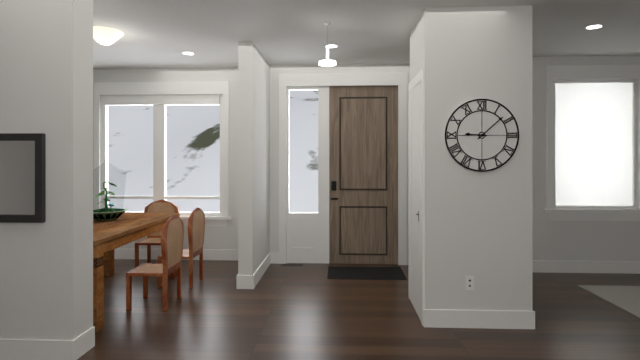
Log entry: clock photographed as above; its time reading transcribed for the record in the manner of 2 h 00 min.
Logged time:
9 h 08 min
